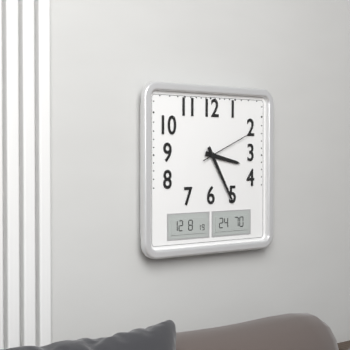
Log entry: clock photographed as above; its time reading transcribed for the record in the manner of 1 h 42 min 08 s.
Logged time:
3 h 25 min 11 s
